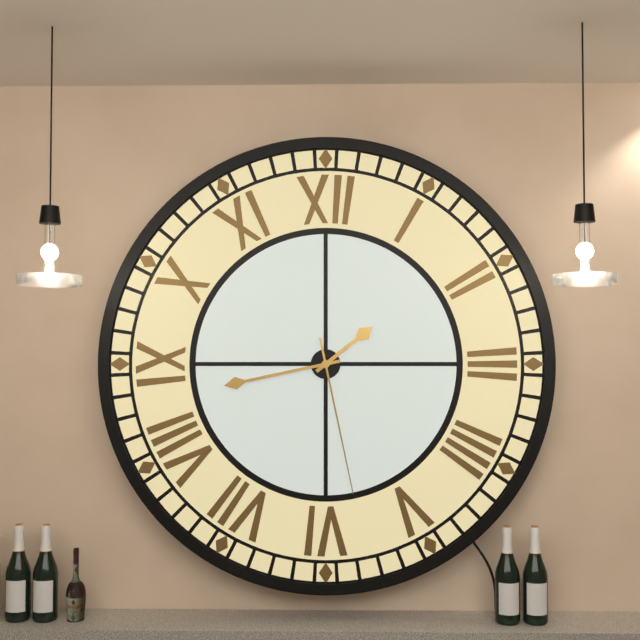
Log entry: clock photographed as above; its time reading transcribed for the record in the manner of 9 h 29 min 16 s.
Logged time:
1 h 43 min 28 s
